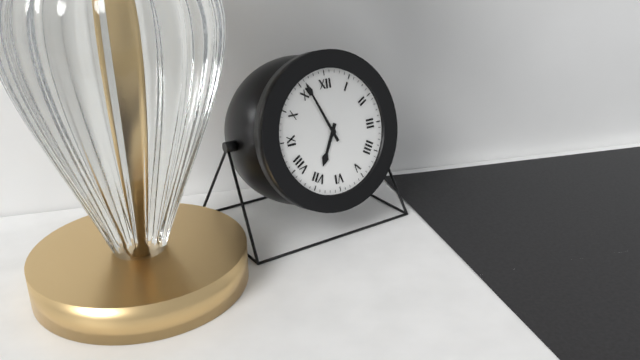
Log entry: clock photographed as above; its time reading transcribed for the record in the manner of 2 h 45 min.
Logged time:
6 h 56 min
